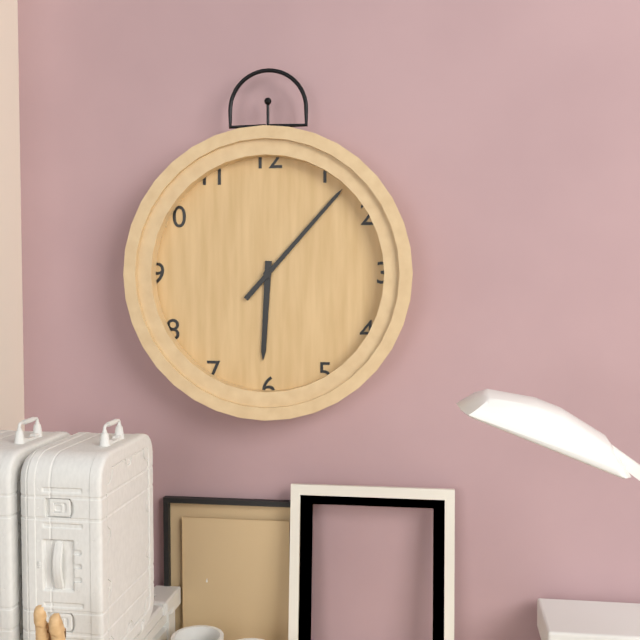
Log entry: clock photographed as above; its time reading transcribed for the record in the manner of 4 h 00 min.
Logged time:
6 h 07 min
